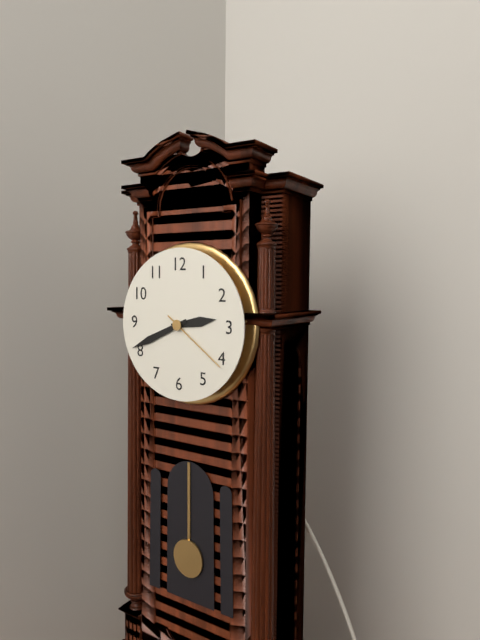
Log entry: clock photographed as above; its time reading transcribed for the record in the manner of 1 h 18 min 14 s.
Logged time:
2 h 41 min 21 s
